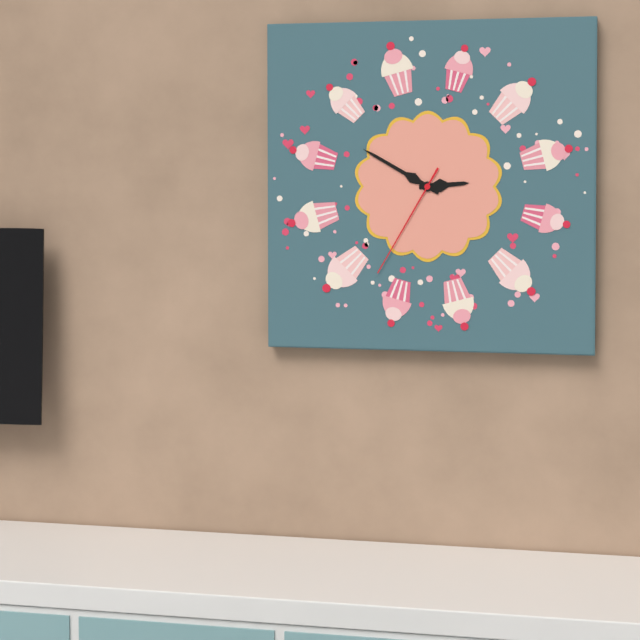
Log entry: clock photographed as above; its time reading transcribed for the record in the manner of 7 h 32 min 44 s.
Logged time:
2 h 50 min 35 s
